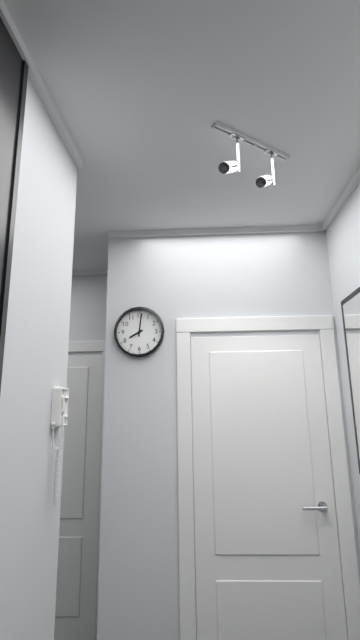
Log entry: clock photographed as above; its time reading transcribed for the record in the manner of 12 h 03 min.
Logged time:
8 h 01 min
